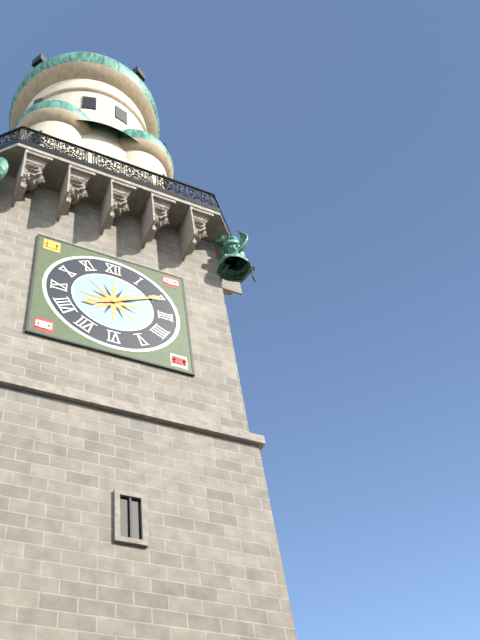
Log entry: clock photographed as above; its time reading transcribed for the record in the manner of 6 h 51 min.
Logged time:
8 h 10 min
